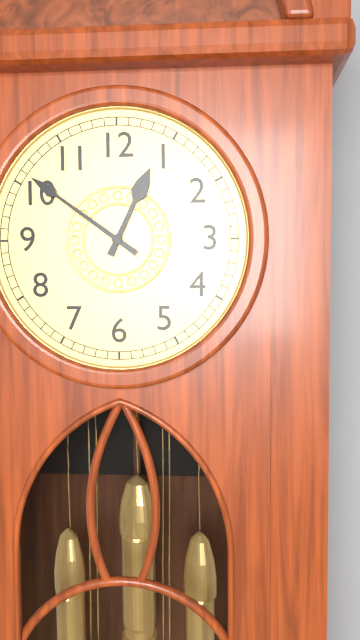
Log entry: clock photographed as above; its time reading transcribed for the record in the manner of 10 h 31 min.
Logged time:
12 h 51 min
